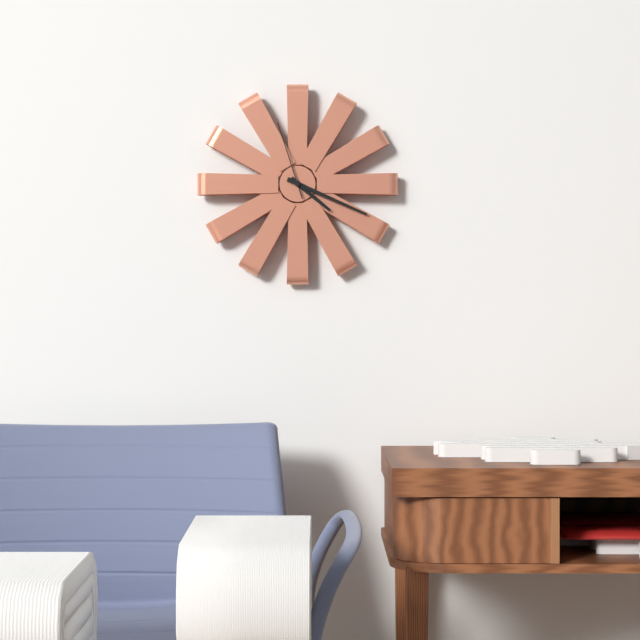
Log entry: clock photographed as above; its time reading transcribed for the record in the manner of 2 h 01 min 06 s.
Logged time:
4 h 19 min 57 s
